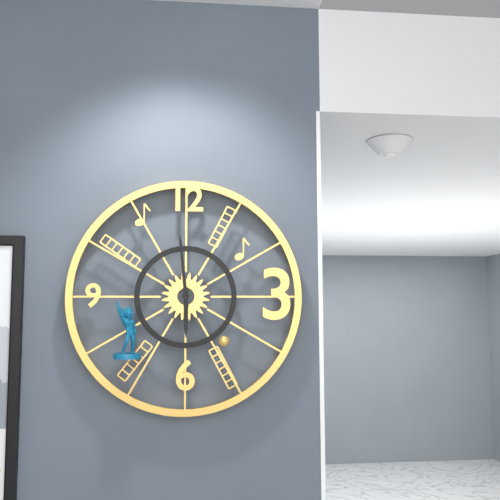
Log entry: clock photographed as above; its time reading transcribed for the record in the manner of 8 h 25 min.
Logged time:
5 h 59 min
